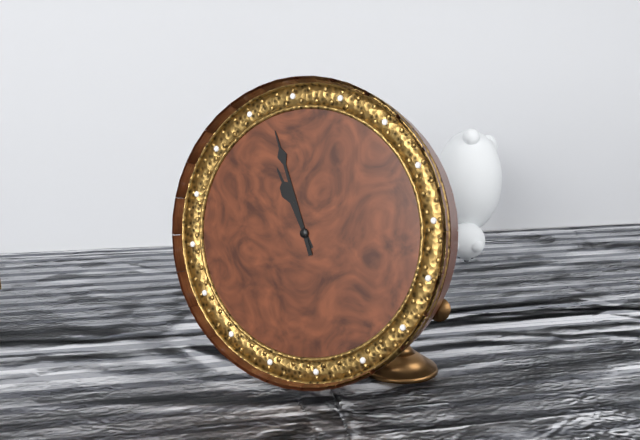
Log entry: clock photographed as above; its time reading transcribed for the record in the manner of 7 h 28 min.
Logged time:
10 h 56 min
